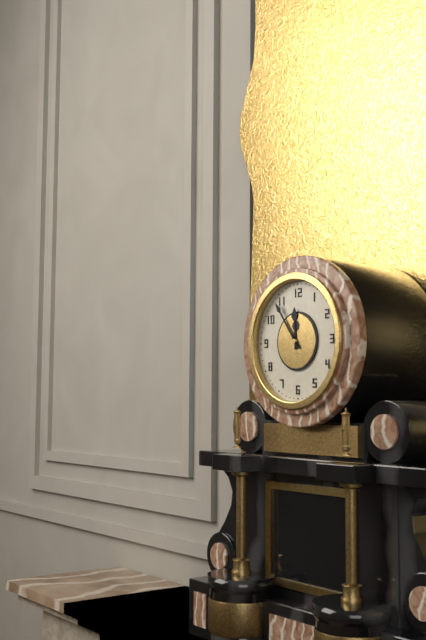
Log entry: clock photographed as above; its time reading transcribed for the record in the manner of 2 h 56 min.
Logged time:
11 h 54 min
